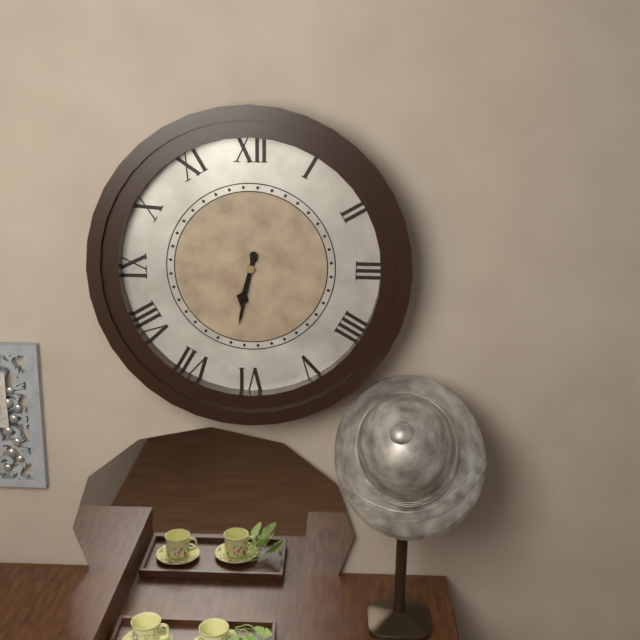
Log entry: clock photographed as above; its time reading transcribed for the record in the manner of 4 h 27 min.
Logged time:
6 h 32 min
